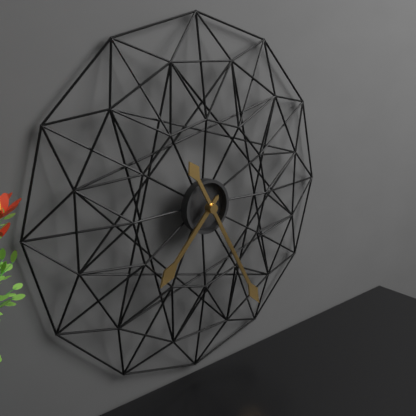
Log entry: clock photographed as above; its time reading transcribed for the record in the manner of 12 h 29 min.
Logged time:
7 h 25 min
